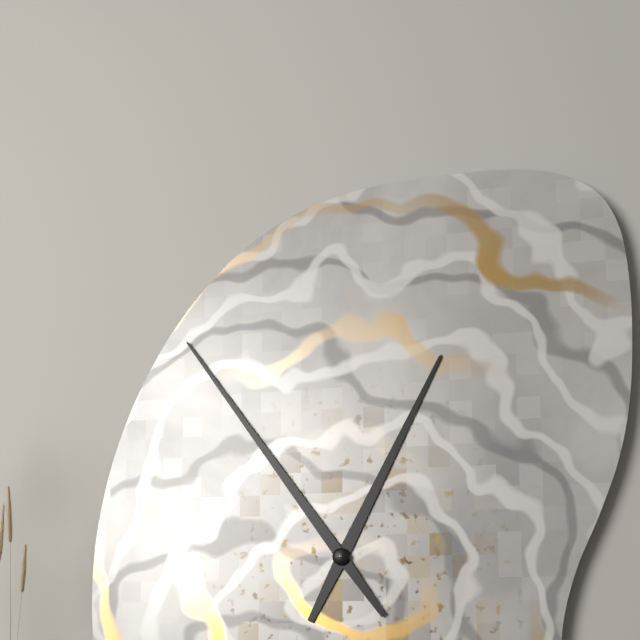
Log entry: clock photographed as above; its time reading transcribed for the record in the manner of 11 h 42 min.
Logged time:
12 h 54 min
